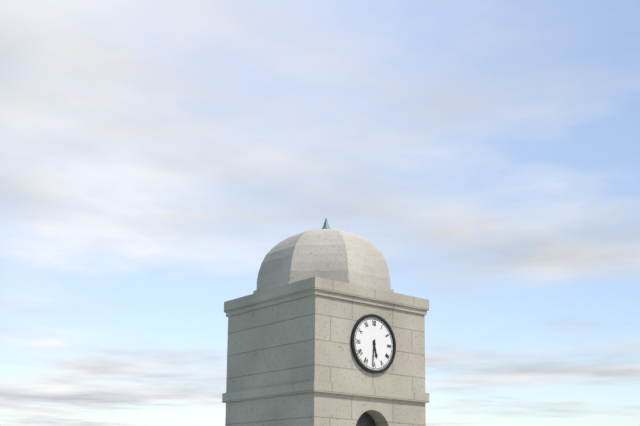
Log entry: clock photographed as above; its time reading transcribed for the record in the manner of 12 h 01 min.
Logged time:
5 h 31 min
